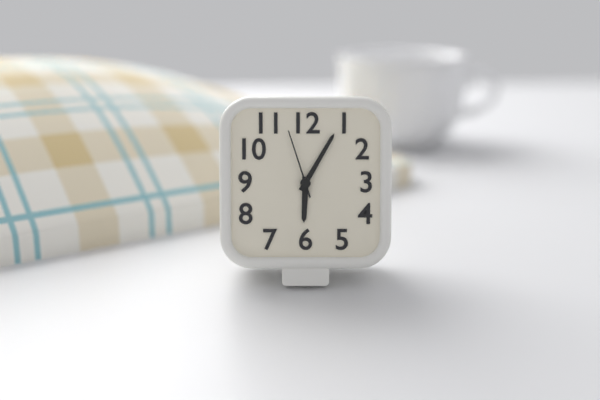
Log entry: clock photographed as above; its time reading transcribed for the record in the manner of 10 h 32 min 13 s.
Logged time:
6 h 05 min 57 s
